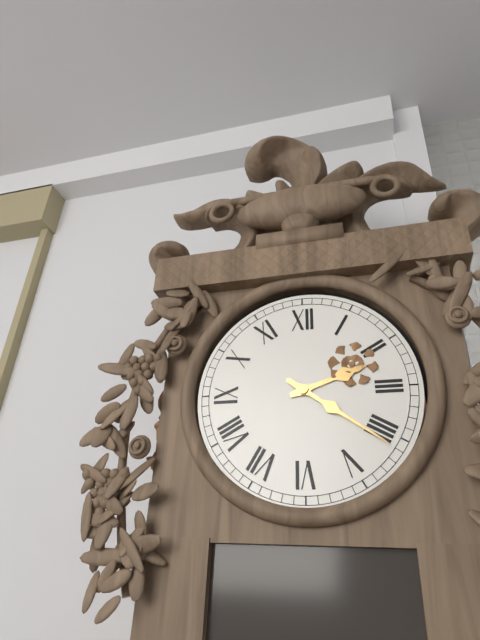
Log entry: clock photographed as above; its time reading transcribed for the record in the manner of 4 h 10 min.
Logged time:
2 h 21 min
